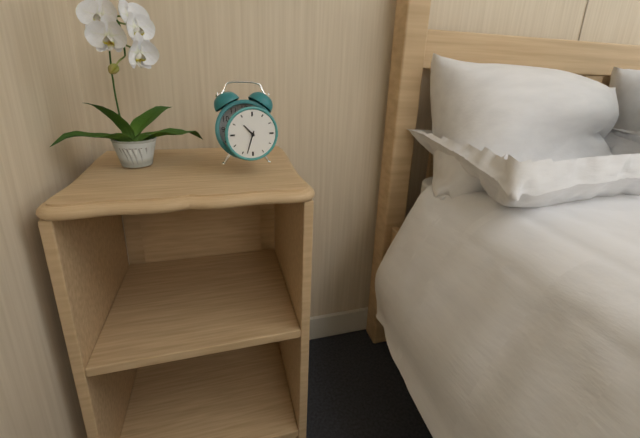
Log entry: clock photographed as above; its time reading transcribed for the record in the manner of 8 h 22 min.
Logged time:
10 h 33 min
